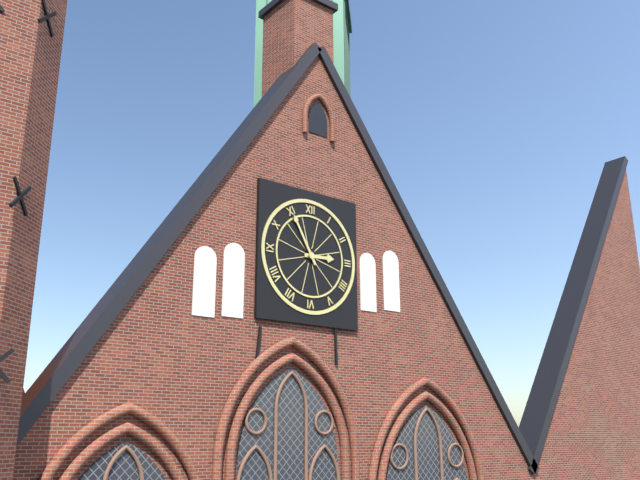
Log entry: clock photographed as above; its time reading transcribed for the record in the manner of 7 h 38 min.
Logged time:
2 h 55 min
